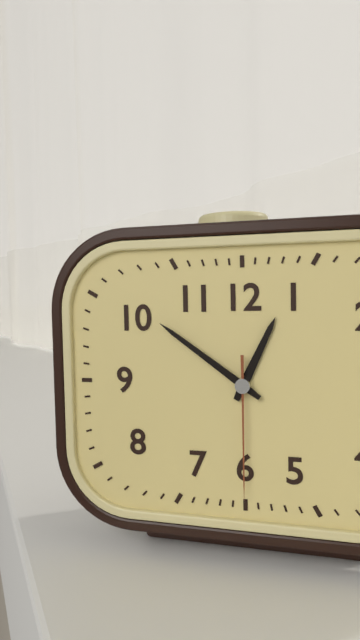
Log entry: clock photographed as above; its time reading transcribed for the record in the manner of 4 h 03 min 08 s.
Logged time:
12 h 51 min 30 s
